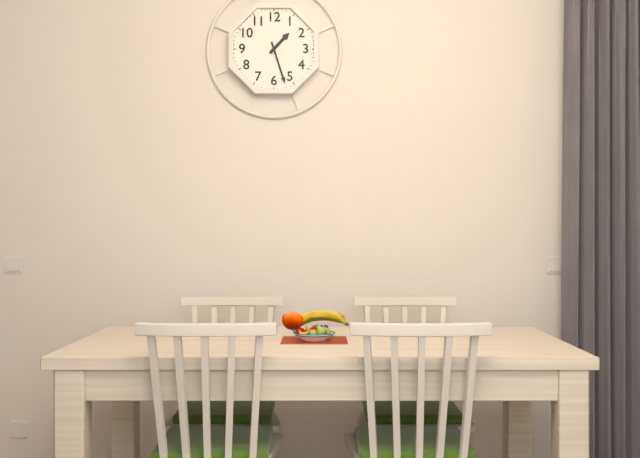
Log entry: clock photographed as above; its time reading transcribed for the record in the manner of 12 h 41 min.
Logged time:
1 h 27 min
